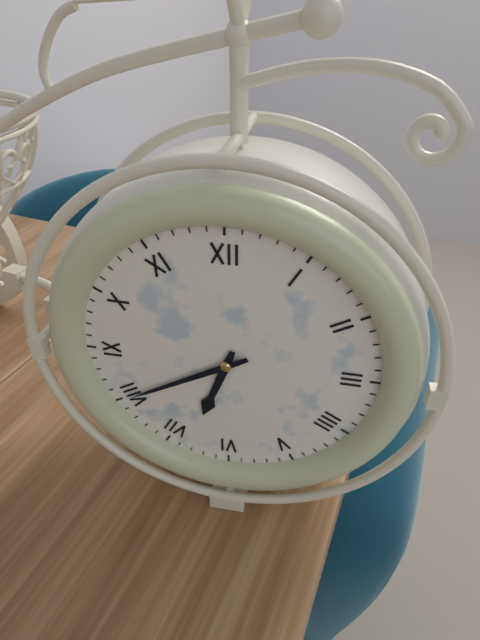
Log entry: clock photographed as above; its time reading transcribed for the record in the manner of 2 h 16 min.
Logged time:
6 h 40 min
